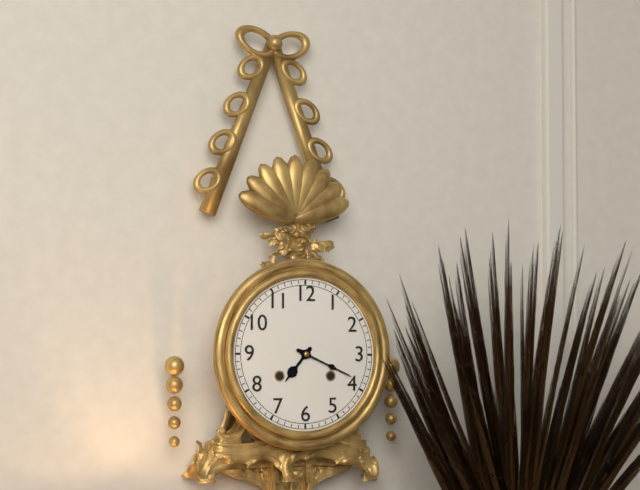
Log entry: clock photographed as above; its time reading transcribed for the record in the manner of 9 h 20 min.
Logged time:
7 h 19 min
